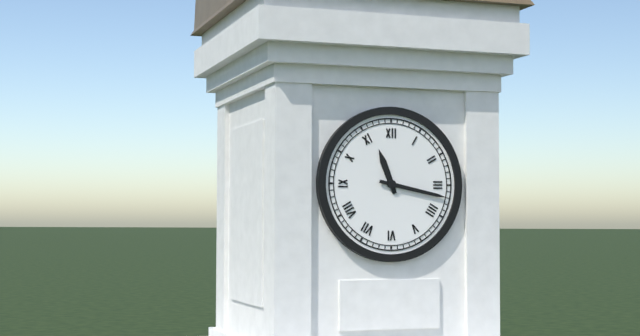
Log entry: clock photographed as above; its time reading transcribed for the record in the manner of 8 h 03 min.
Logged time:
11 h 17 min
